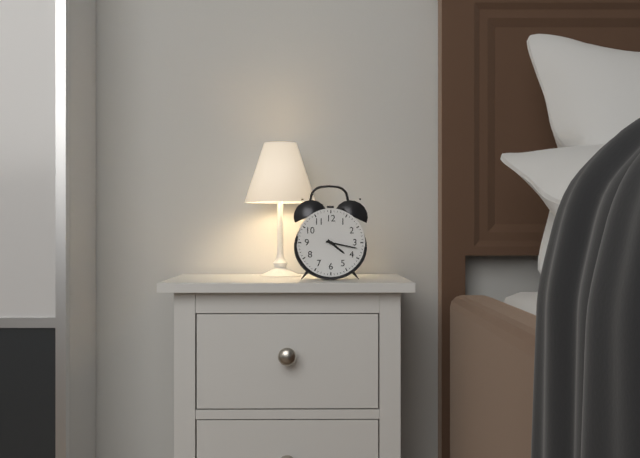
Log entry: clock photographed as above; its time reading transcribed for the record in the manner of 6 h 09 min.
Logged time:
4 h 17 min
